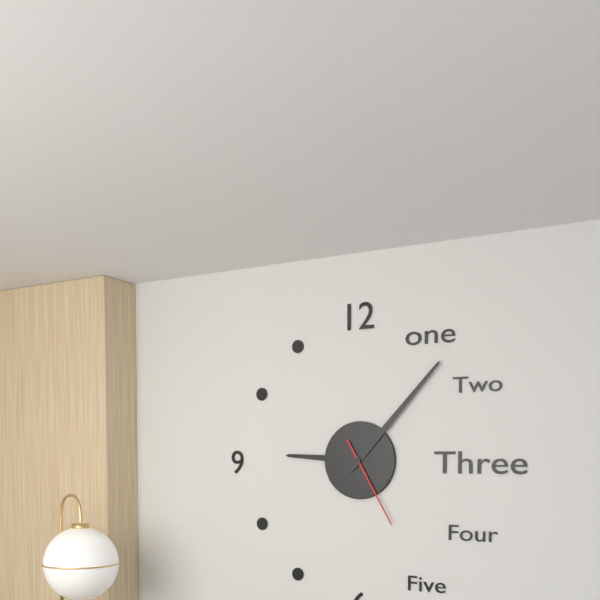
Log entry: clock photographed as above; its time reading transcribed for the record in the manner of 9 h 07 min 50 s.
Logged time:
9 h 07 min 25 s
